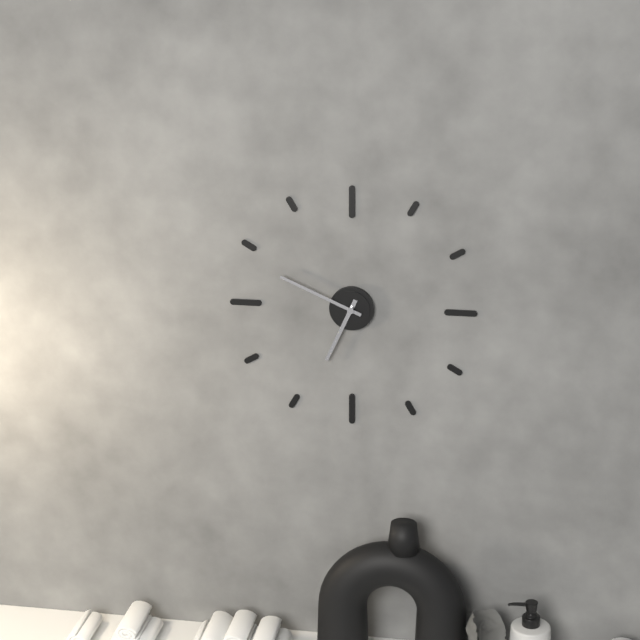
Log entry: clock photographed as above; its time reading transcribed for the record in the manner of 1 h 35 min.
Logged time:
6 h 49 min
